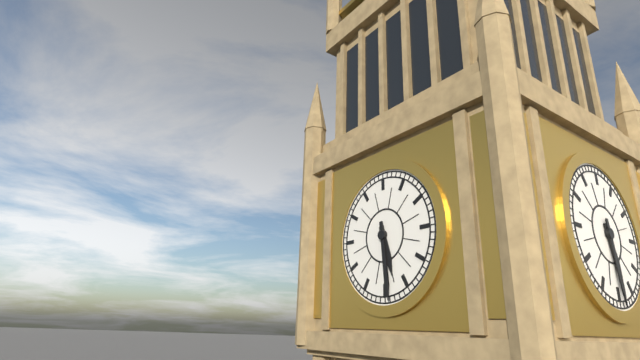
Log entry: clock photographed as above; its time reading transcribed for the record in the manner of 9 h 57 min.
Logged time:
5 h 29 min
